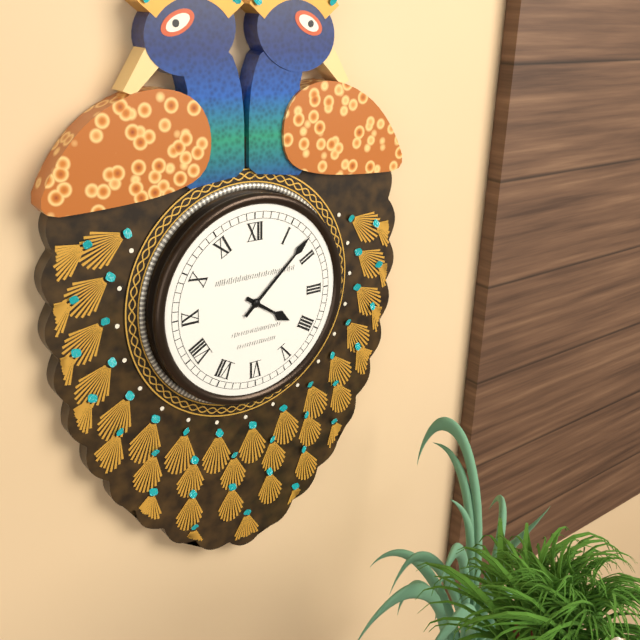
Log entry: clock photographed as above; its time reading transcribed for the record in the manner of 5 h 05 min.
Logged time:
4 h 08 min
